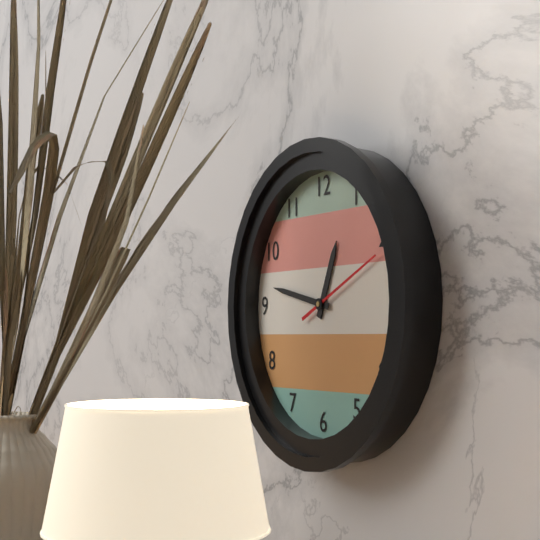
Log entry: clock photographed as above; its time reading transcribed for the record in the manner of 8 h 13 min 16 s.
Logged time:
12 h 47 min 11 s
